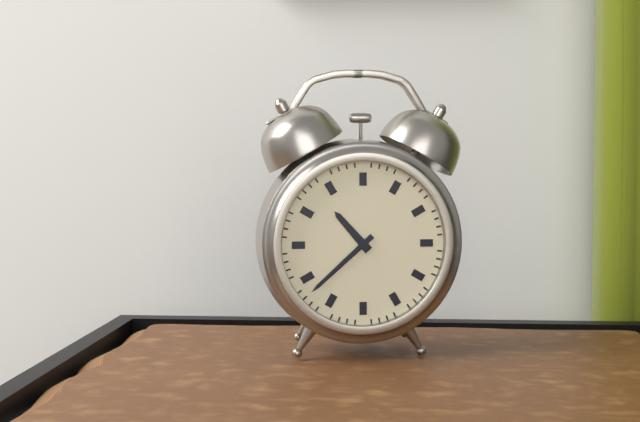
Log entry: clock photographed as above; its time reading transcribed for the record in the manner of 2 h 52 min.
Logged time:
10 h 38 min
